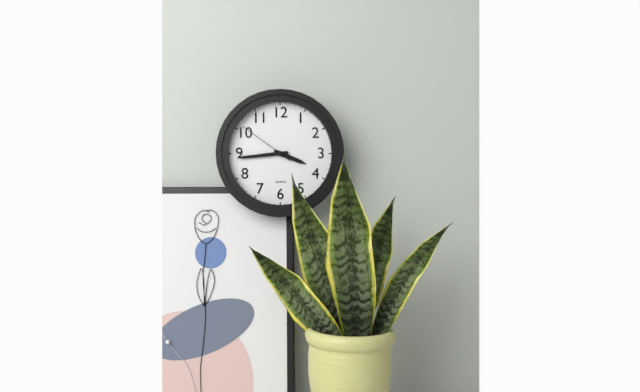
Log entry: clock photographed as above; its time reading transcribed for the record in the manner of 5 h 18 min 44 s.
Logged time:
3 h 44 min 51 s
